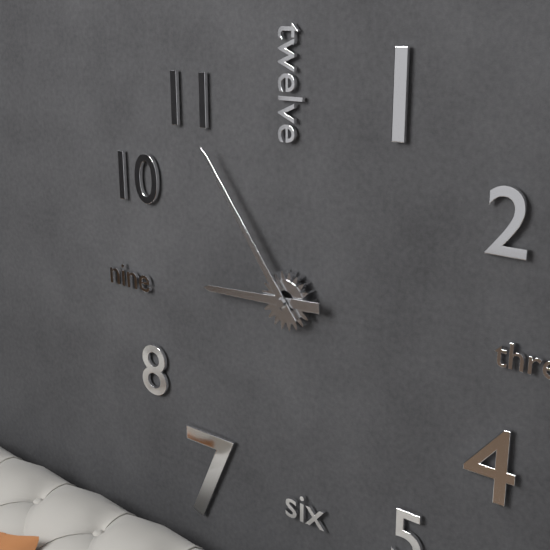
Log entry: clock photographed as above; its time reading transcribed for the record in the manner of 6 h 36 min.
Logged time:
8 h 54 min
